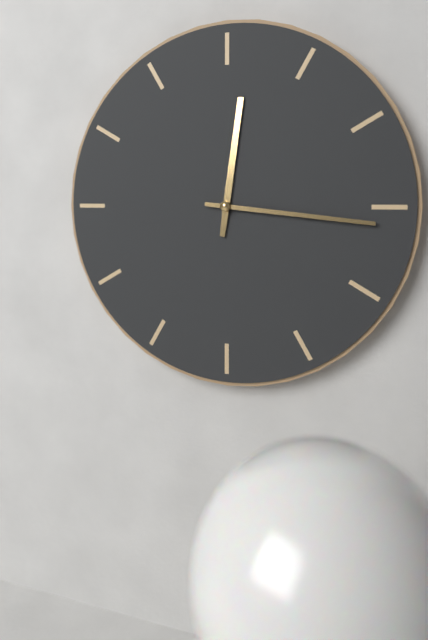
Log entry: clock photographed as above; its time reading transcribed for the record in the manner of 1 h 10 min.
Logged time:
12 h 16 min
